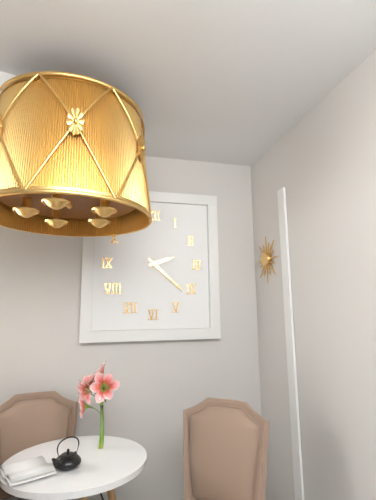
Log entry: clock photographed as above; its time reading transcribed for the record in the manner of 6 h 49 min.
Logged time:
2 h 22 min
